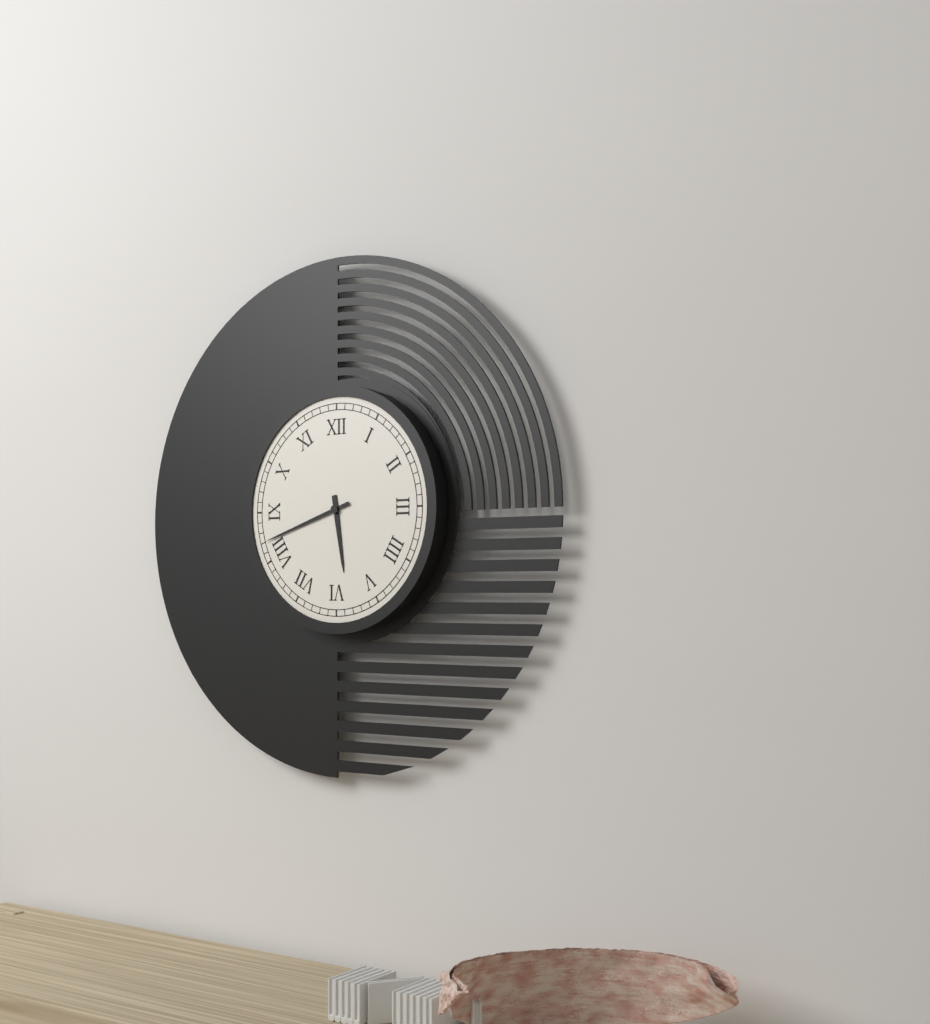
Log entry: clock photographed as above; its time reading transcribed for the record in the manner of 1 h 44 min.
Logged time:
5 h 42 min
